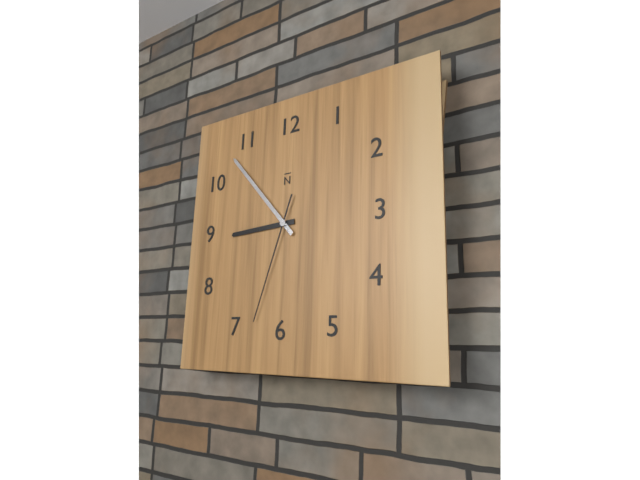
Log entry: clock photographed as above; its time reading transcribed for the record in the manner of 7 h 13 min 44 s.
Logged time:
8 h 53 min 33 s
